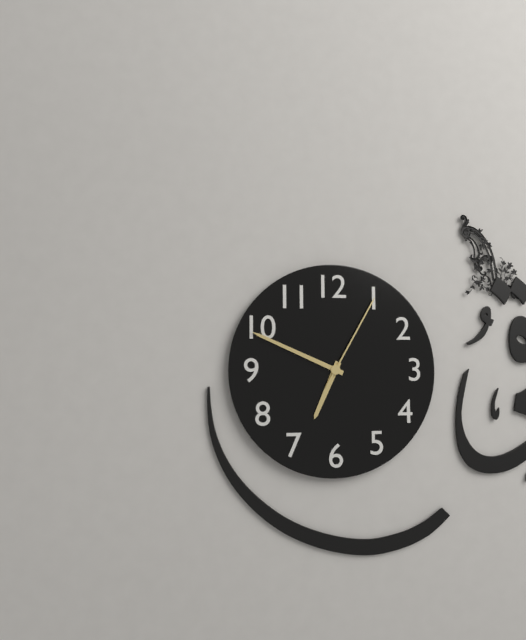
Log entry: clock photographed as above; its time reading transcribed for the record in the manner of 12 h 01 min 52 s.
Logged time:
6 h 49 min 05 s
